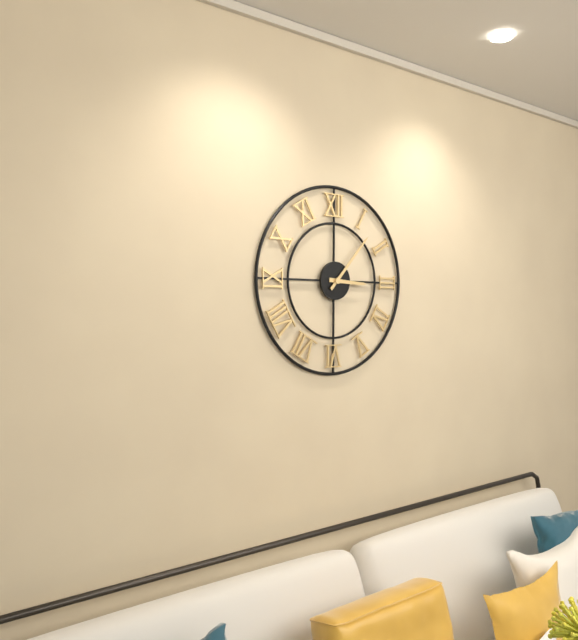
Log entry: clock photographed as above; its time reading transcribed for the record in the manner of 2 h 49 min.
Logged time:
3 h 07 min
